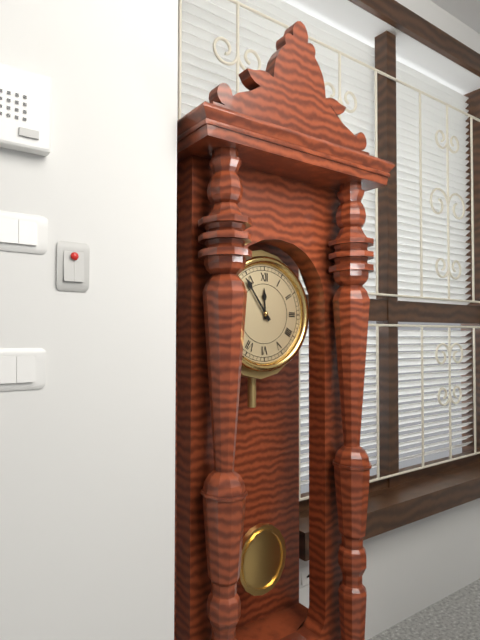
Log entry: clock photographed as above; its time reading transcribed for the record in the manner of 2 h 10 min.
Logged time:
11 h 54 min
